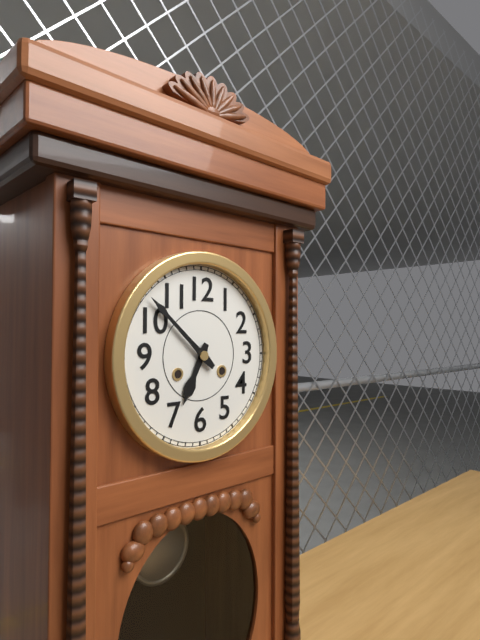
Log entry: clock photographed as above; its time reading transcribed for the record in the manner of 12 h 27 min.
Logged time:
6 h 52 min
